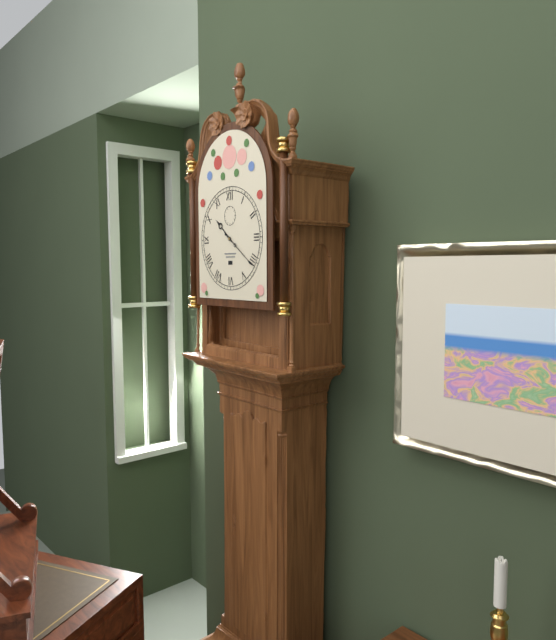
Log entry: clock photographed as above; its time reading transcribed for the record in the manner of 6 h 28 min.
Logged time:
10 h 21 min
